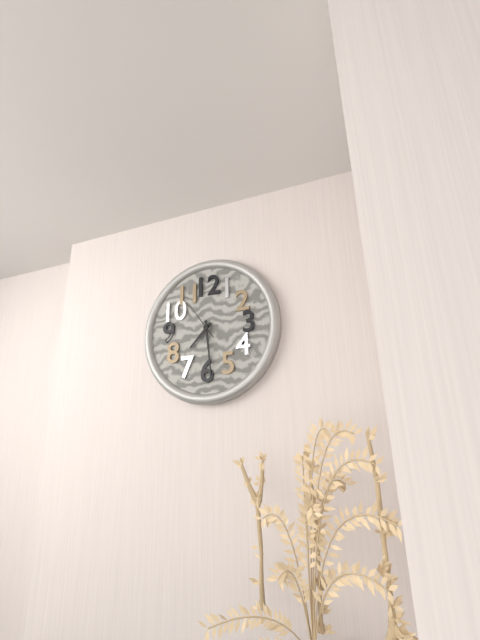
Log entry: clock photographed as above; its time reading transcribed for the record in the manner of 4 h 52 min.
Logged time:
7 h 29 min
